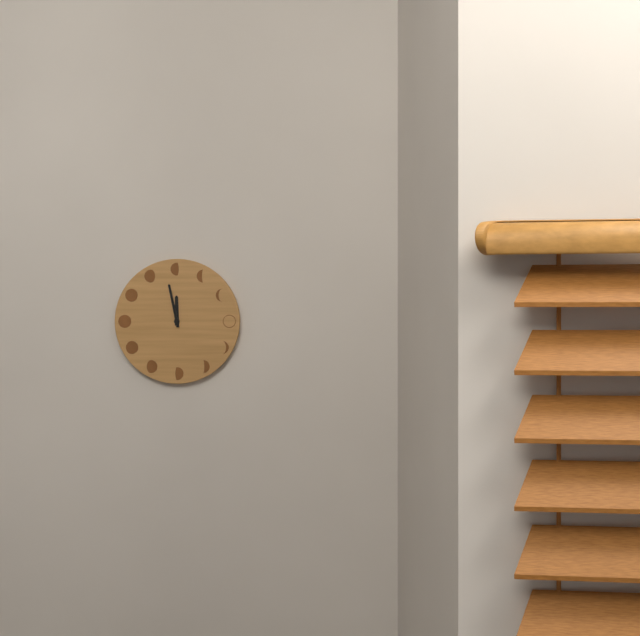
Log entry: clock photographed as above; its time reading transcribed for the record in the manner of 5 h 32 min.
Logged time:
11 h 58 min
